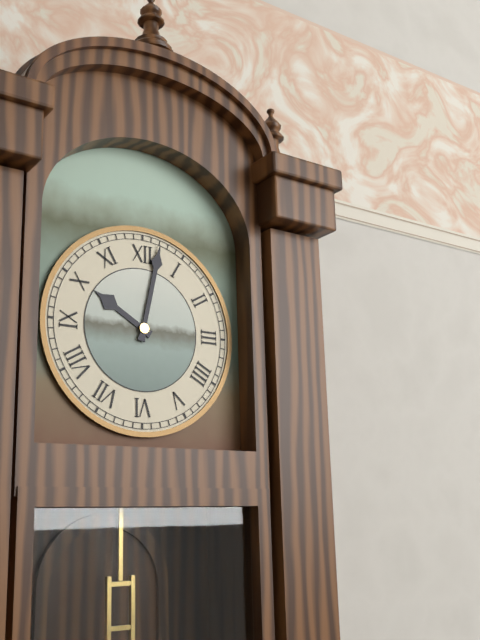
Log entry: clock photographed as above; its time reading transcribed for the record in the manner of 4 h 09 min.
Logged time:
10 h 02 min
